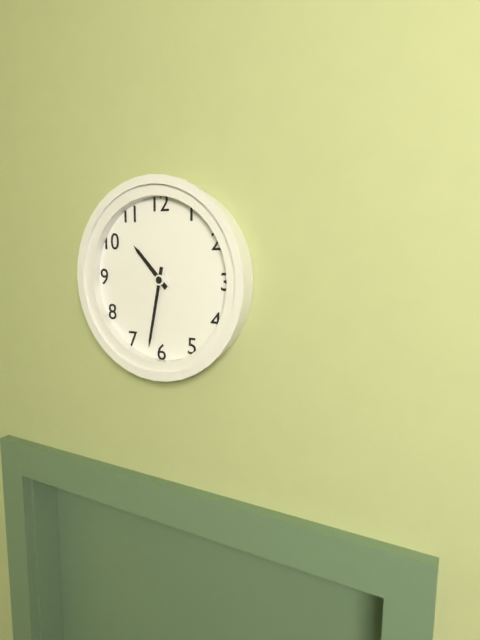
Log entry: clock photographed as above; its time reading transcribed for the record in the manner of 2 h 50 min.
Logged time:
10 h 32 min
